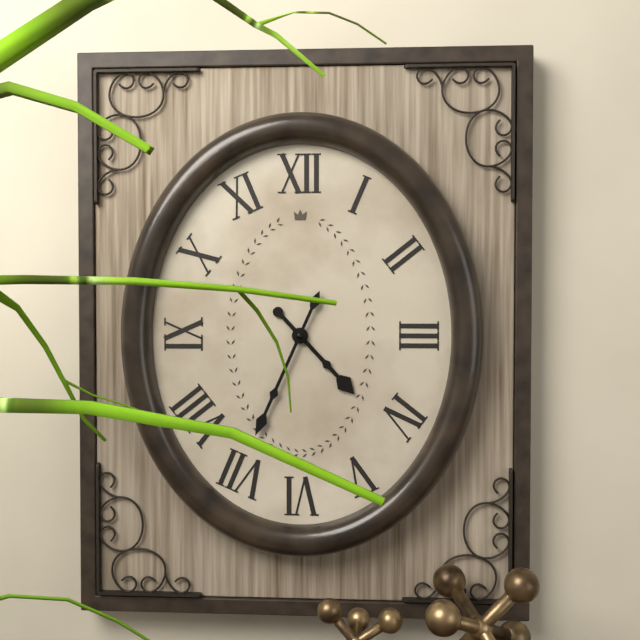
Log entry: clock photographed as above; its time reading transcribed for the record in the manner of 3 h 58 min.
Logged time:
4 h 34 min
